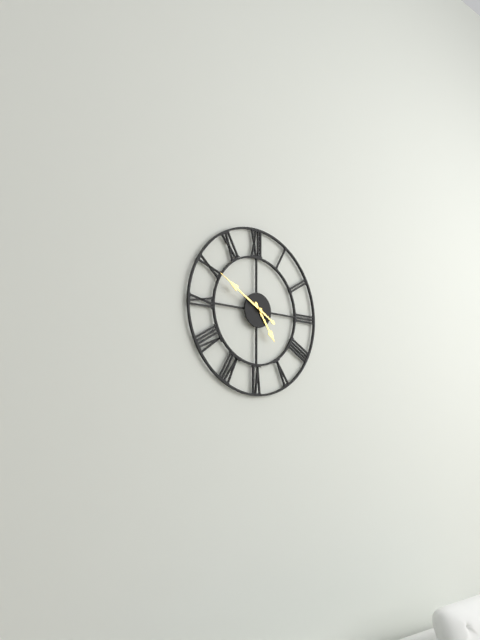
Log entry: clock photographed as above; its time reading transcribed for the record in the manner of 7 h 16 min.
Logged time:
4 h 50 min
